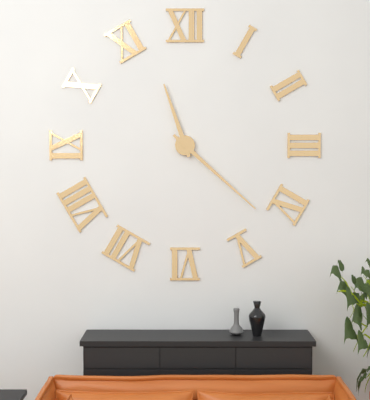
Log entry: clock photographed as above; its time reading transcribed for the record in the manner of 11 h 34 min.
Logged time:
11 h 22 min
